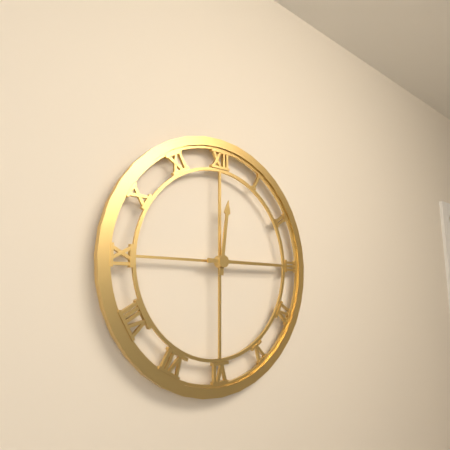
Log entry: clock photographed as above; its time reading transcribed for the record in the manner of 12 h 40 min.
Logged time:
12 h 15 min
